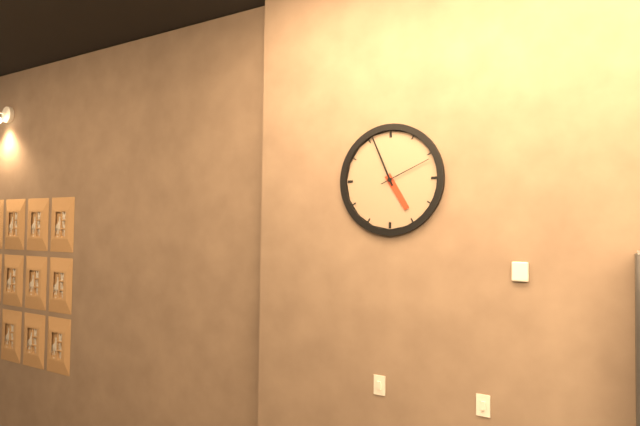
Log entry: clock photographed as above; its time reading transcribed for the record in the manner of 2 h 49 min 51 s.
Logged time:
4 h 56 min 11 s
